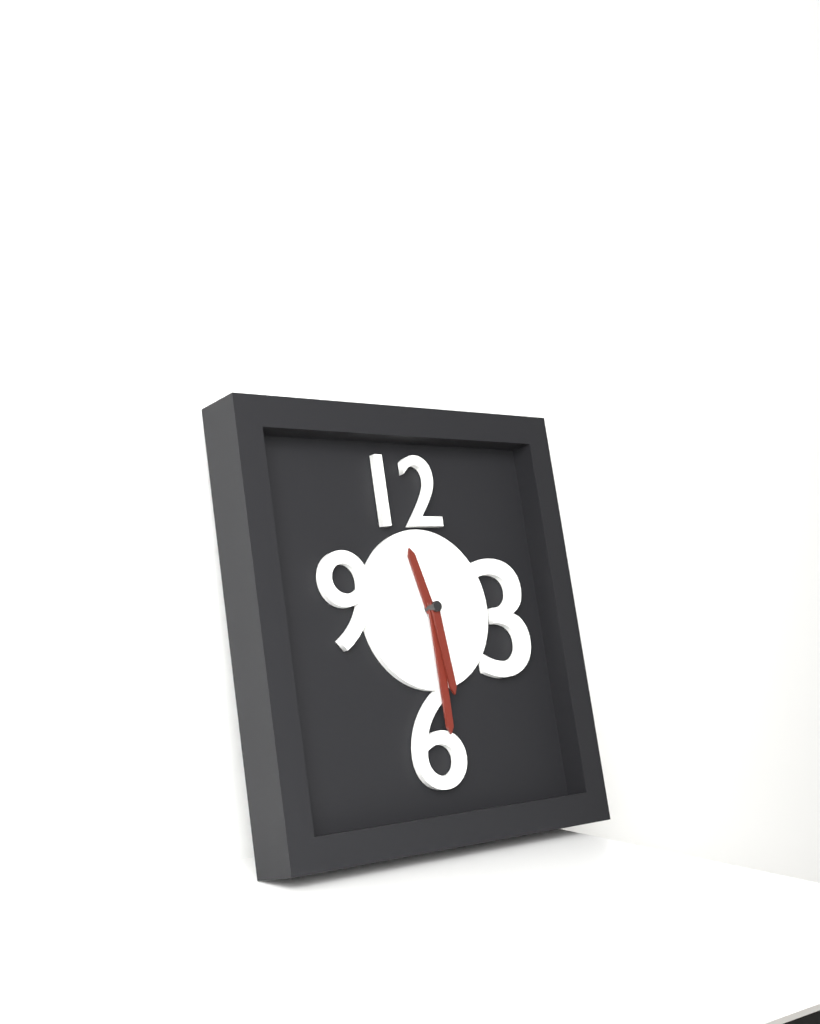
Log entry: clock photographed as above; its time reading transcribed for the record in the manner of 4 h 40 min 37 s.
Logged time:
11 h 30 min 29 s
